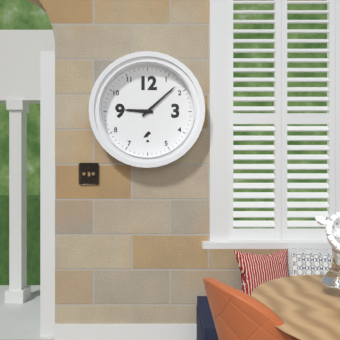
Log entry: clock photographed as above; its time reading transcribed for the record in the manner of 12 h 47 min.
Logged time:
9 h 08 min
